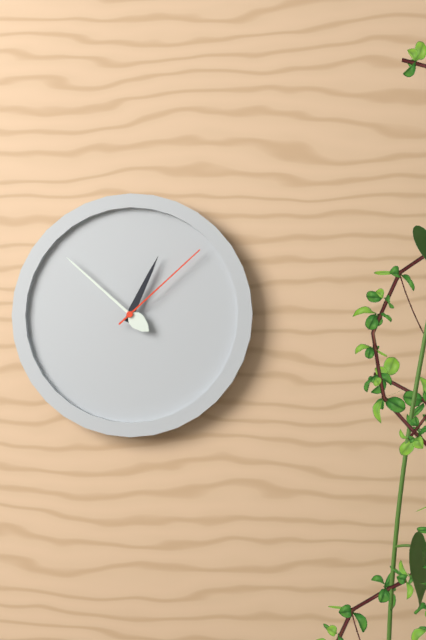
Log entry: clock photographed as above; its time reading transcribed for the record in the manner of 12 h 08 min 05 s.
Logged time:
12 h 52 min 08 s
